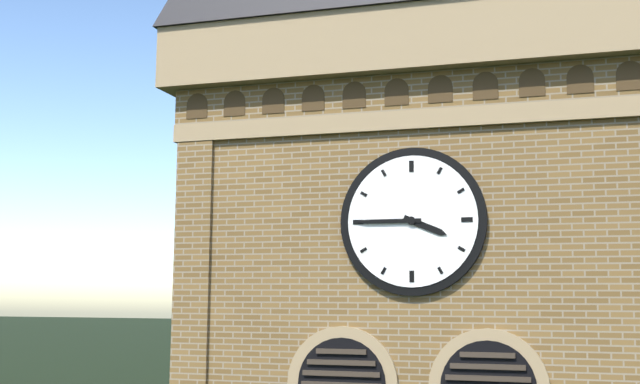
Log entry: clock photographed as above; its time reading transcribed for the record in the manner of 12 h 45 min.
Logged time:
3 h 45 min
